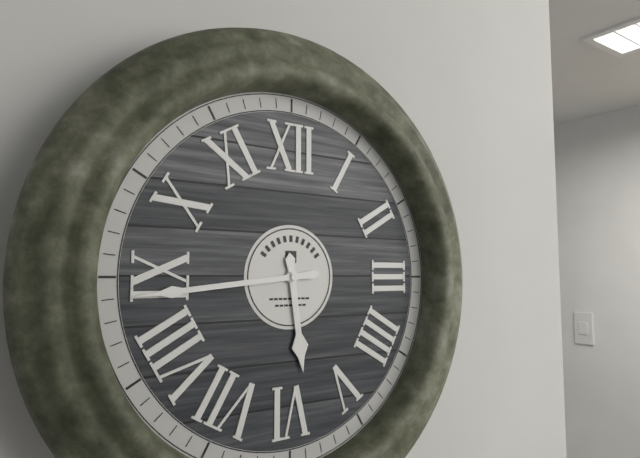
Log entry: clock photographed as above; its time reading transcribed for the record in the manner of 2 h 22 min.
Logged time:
5 h 44 min
